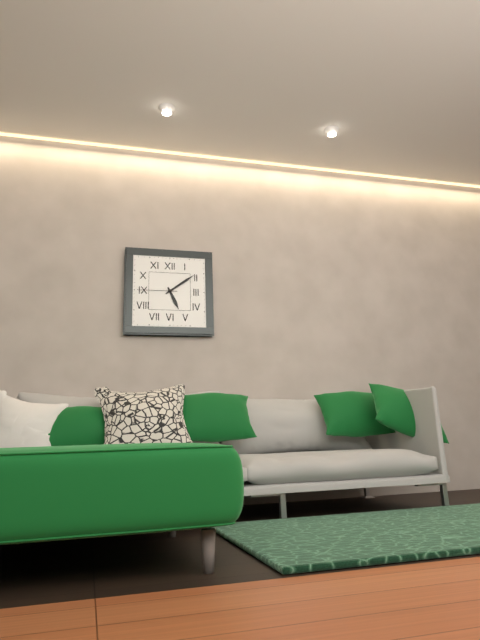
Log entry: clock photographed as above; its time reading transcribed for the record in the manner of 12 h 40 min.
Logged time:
5 h 09 min
